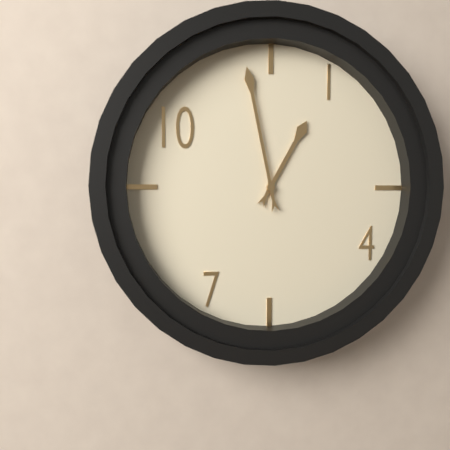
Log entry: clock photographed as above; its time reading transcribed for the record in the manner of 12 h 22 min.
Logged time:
12 h 58 min
